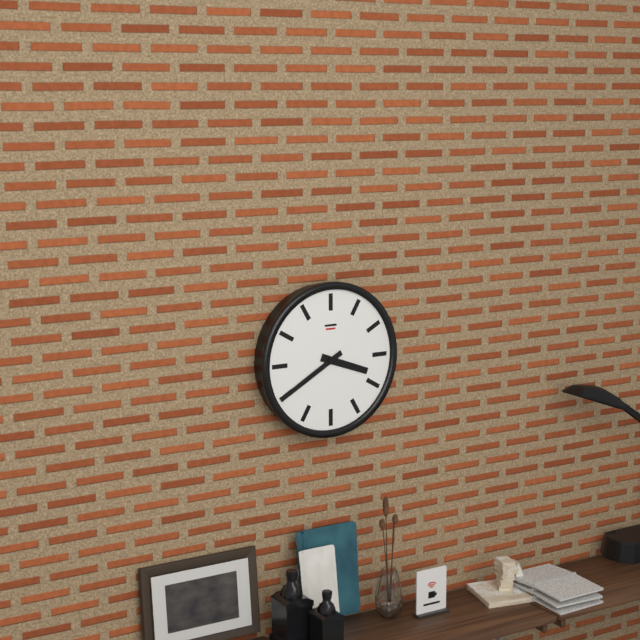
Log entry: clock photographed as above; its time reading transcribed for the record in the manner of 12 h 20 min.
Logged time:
3 h 40 min
